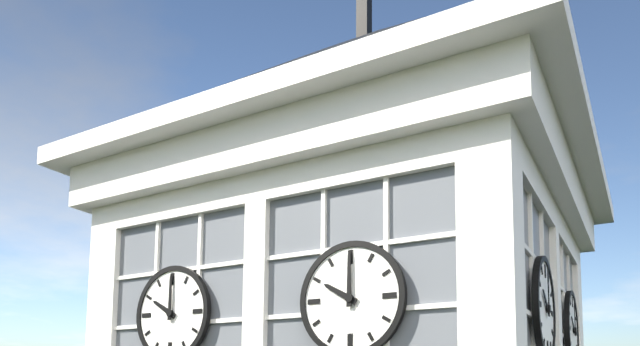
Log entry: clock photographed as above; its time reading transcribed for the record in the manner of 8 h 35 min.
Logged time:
10 h 00 min
